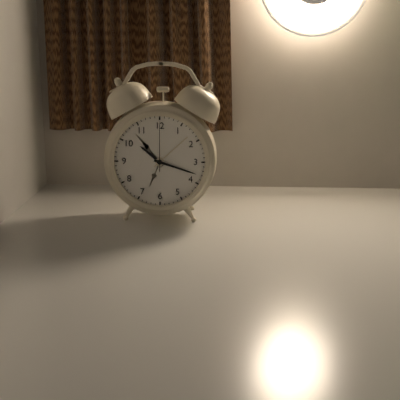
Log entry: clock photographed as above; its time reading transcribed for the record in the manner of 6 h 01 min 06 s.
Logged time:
10 h 18 min 00 s
